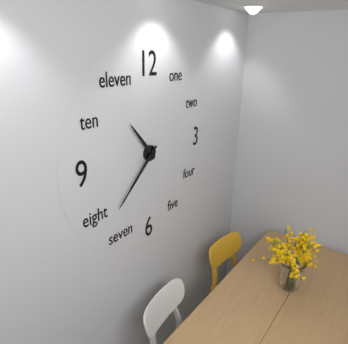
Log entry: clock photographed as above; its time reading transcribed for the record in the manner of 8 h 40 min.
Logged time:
10 h 38 min
